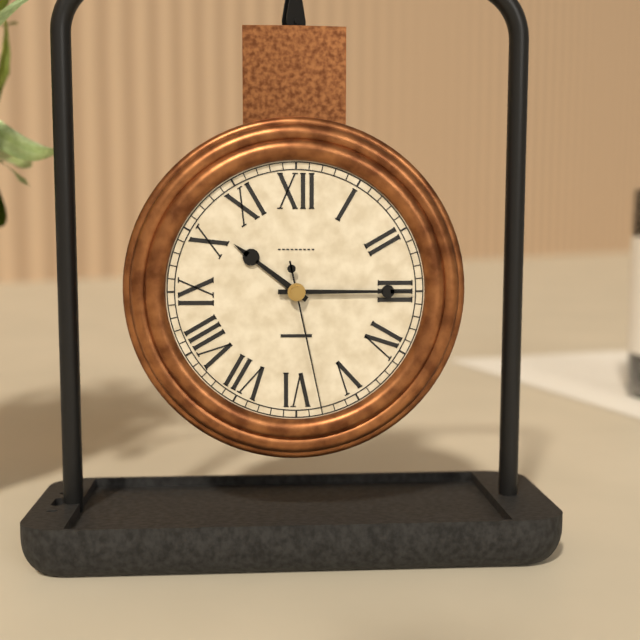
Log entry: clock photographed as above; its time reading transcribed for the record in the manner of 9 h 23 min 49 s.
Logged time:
10 h 15 min 28 s
